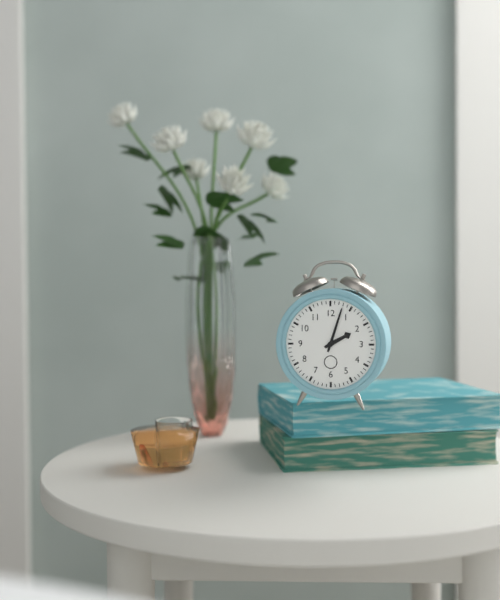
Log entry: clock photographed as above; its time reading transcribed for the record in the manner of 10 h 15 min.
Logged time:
2 h 03 min
